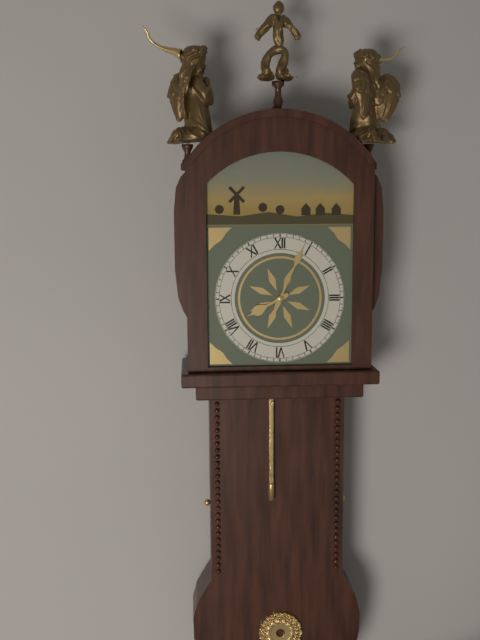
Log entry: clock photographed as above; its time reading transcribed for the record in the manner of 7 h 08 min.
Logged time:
8 h 04 min
